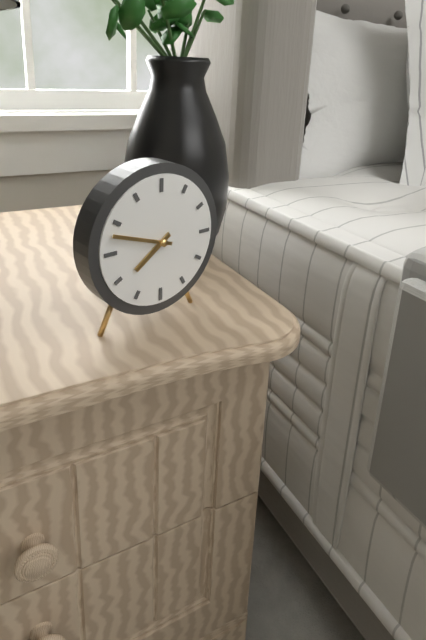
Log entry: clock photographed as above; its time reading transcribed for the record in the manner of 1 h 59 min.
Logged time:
7 h 48 min
